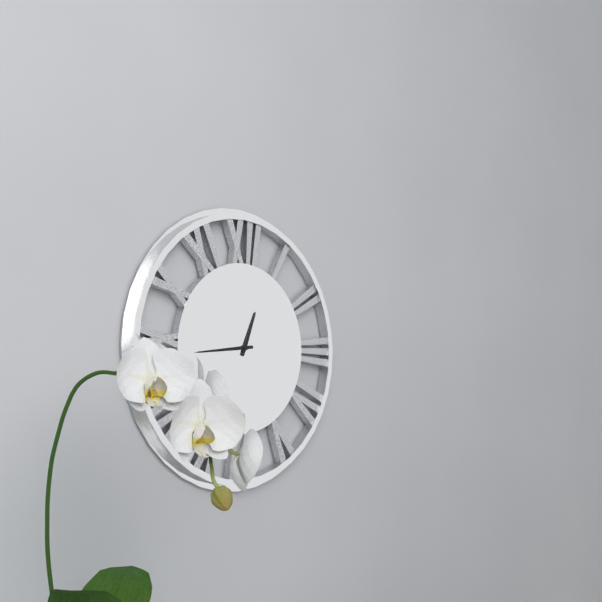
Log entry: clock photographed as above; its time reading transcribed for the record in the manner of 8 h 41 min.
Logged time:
12 h 44 min
